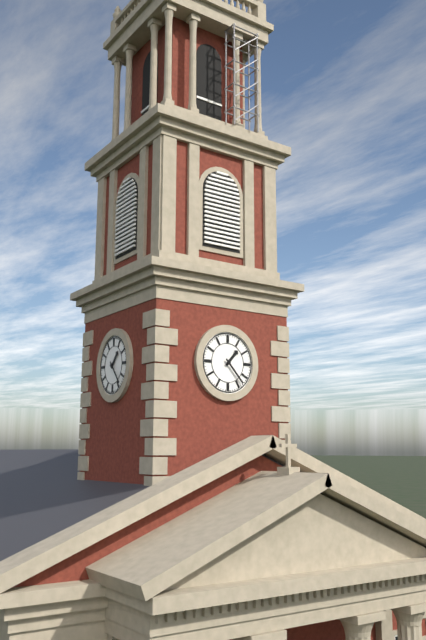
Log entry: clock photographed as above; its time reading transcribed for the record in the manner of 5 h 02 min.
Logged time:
1 h 23 min
